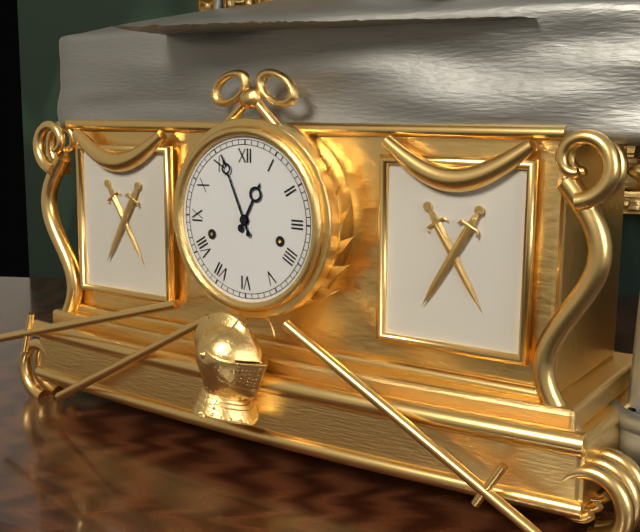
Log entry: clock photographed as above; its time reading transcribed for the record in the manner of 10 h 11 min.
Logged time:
12 h 56 min
